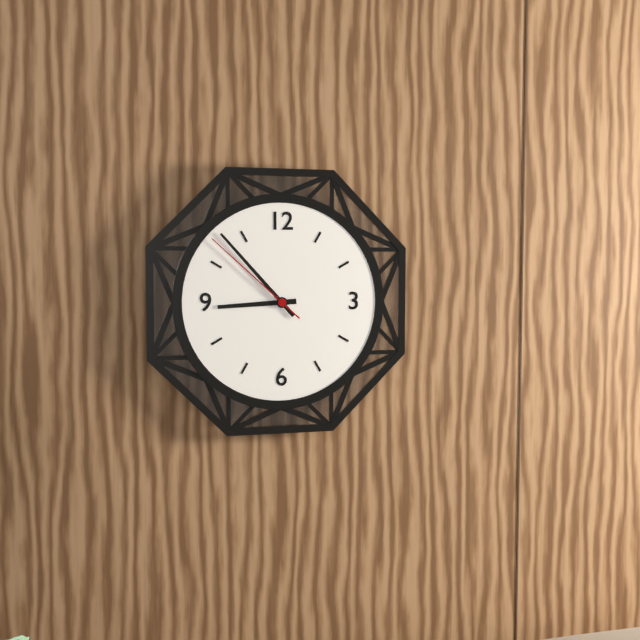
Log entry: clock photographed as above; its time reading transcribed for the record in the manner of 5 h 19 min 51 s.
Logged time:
8 h 53 min 52 s
